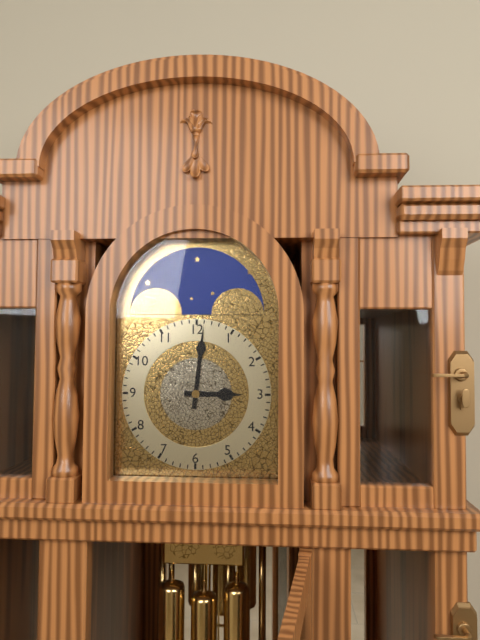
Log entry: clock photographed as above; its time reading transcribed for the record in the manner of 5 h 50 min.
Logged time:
3 h 01 min
